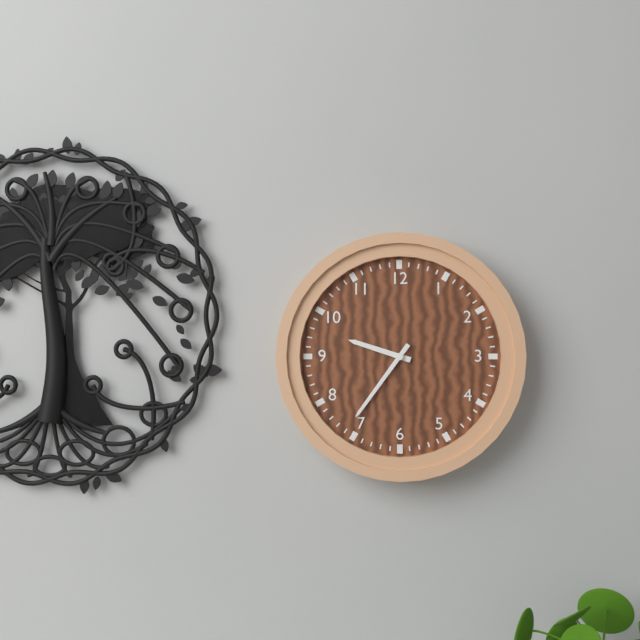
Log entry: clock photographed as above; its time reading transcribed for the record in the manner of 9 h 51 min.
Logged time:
9 h 36 min
